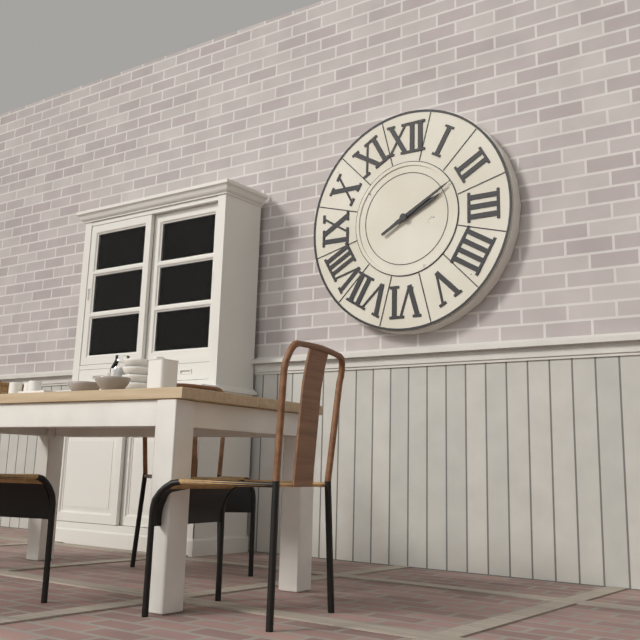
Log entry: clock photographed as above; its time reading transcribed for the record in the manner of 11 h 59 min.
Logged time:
2 h 10 min
